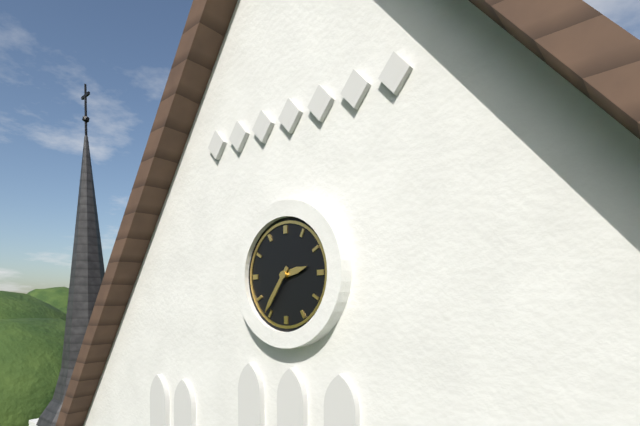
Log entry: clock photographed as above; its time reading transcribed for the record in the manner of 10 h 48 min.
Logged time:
2 h 36 min
